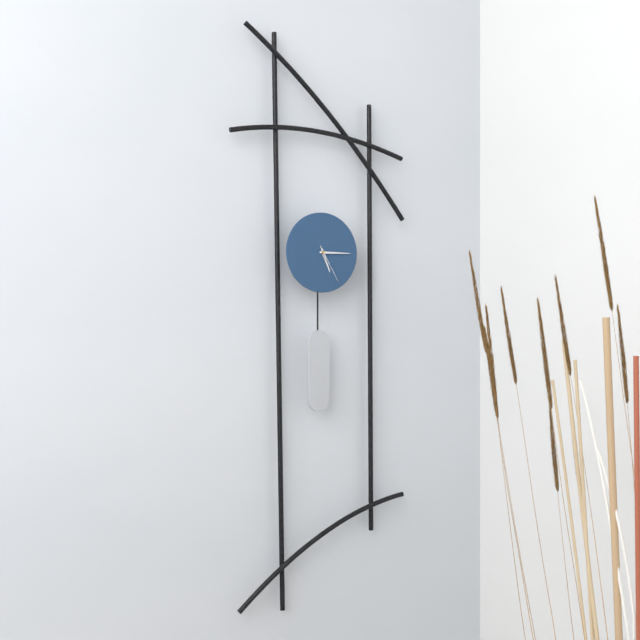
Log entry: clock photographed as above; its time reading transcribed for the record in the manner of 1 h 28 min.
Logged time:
5 h 15 min
